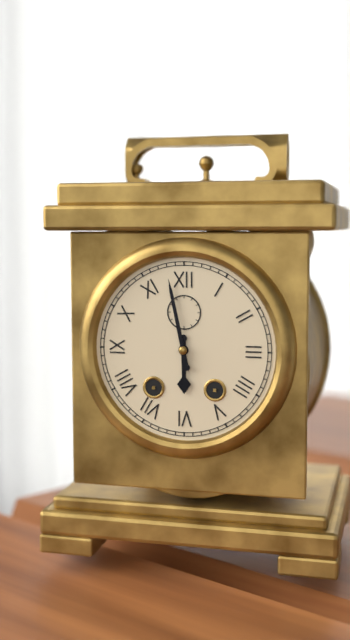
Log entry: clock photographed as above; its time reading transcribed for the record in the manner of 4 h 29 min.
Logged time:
5 h 58 min
